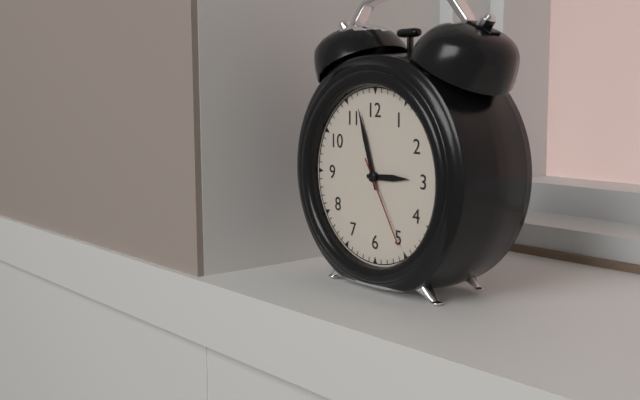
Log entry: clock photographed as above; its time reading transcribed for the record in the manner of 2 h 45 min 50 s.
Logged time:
2 h 57 min 25 s
